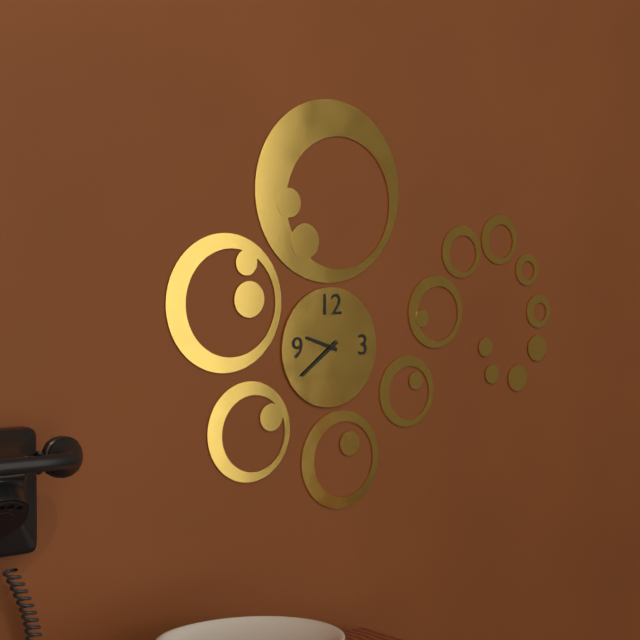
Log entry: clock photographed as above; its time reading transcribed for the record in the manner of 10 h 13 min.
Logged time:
9 h 39 min
